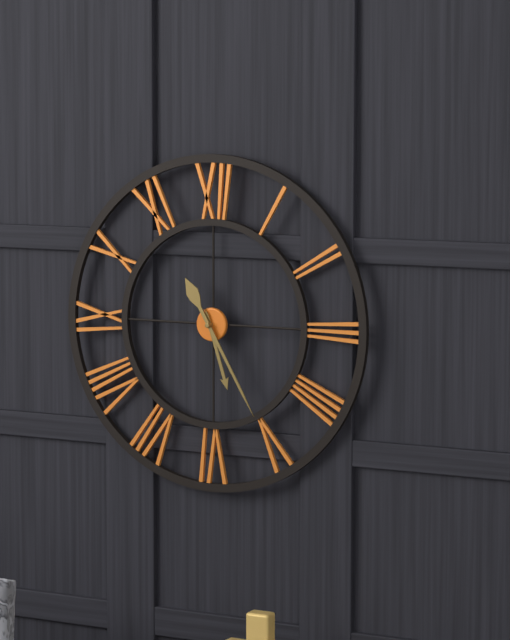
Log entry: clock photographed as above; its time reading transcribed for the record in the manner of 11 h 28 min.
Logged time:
5 h 25 min
